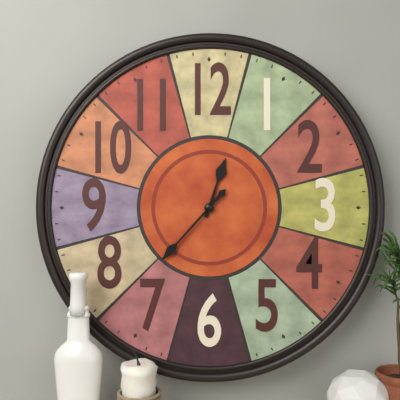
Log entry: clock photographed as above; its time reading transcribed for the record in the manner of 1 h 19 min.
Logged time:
12 h 37 min
